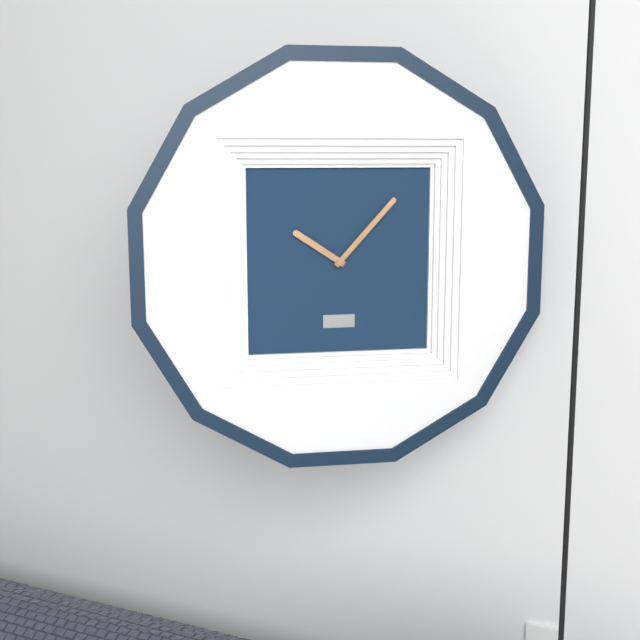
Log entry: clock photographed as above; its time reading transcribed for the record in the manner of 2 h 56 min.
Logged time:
10 h 07 min
